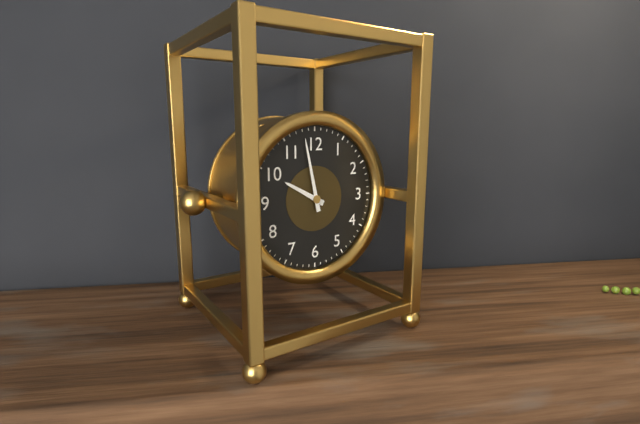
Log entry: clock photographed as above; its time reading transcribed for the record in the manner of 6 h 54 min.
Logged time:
9 h 58 min
